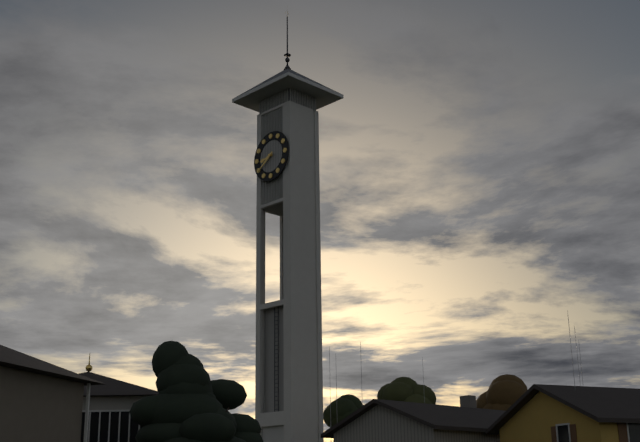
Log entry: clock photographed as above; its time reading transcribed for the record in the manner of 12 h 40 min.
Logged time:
8 h 39 min
